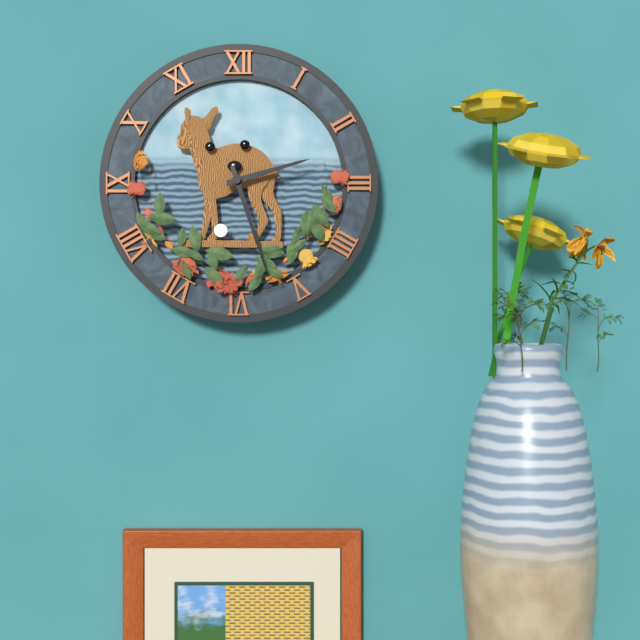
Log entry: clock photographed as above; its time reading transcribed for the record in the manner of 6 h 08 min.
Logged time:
2 h 27 min
